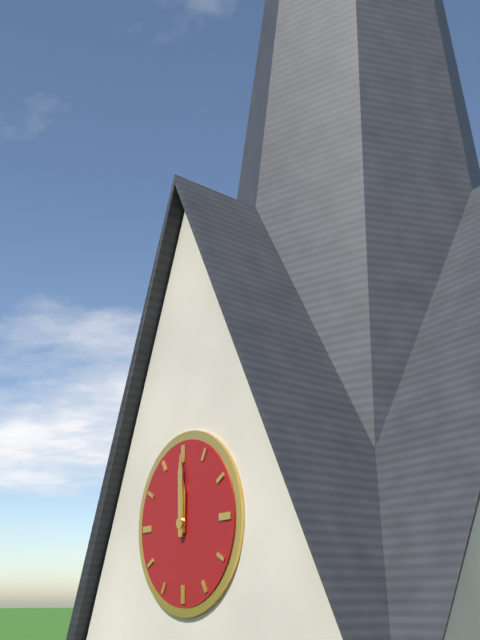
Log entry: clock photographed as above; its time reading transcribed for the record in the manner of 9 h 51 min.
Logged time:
12 h 00 min
